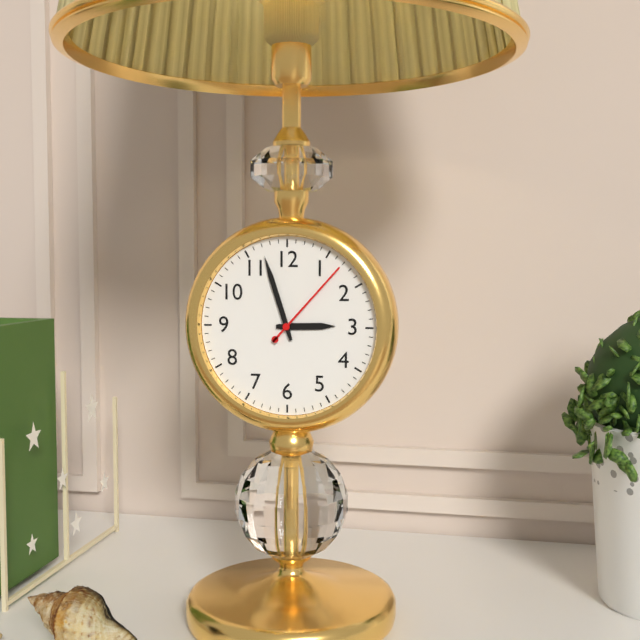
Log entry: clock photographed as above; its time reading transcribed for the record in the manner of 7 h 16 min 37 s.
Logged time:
2 h 57 min 07 s
